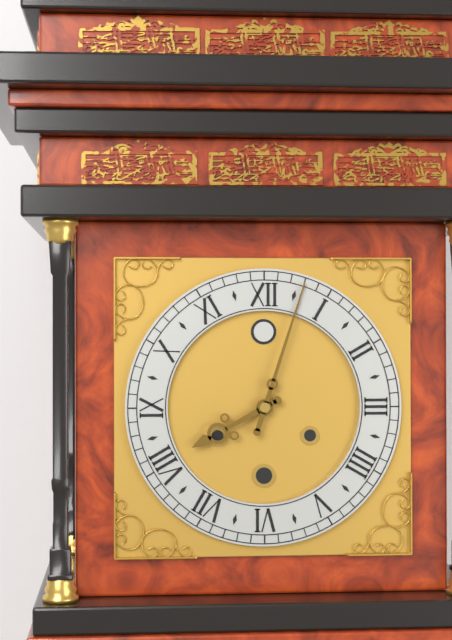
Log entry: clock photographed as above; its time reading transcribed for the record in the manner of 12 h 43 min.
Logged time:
8 h 03 min
